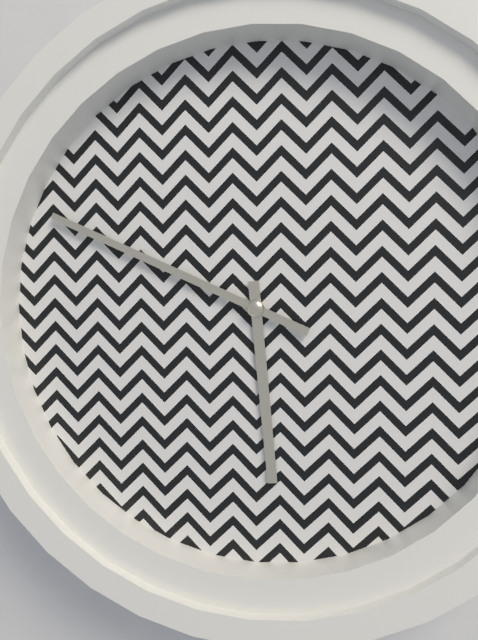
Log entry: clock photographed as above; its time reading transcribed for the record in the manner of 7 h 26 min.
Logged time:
5 h 49 min
